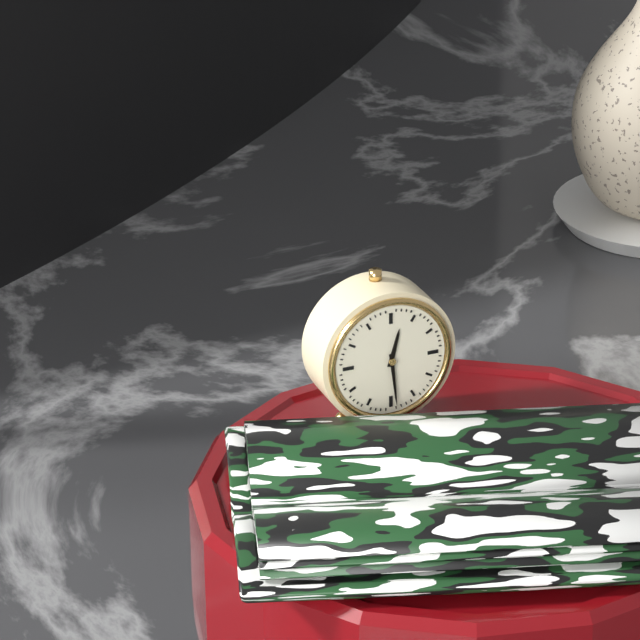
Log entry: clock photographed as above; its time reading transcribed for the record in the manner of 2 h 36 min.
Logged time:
12 h 29 min
